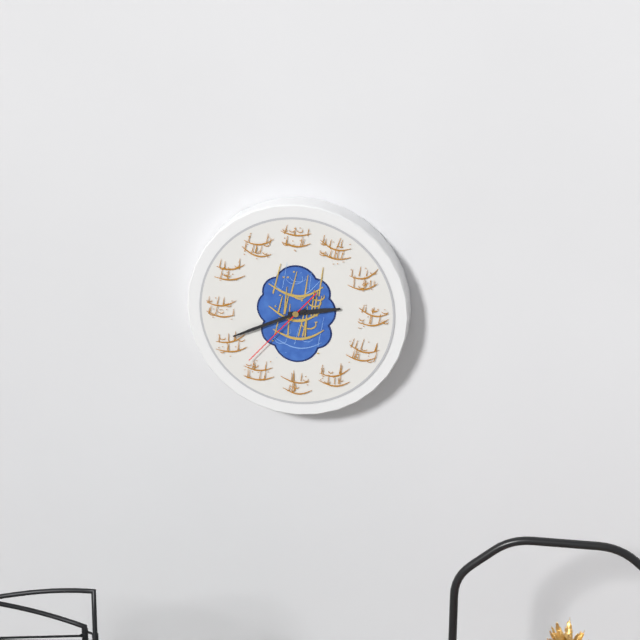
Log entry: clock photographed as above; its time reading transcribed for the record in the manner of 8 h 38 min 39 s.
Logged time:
2 h 41 min 37 s
